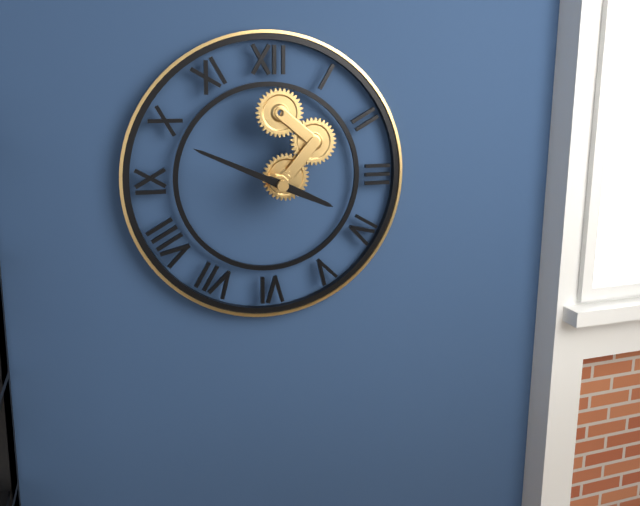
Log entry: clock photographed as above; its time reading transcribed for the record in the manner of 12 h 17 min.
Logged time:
3 h 49 min
